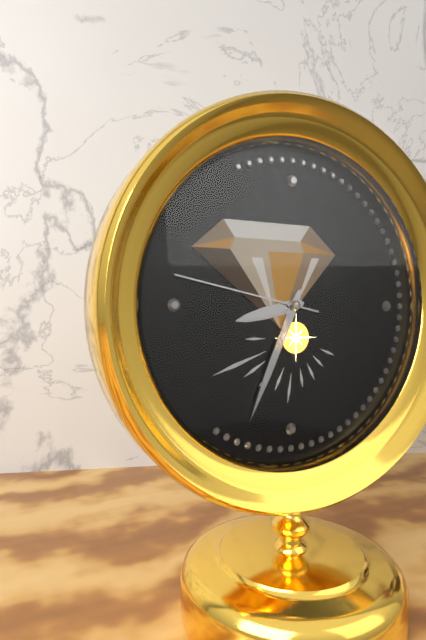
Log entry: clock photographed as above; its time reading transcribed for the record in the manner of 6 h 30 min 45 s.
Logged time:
8 h 34 min 47 s
